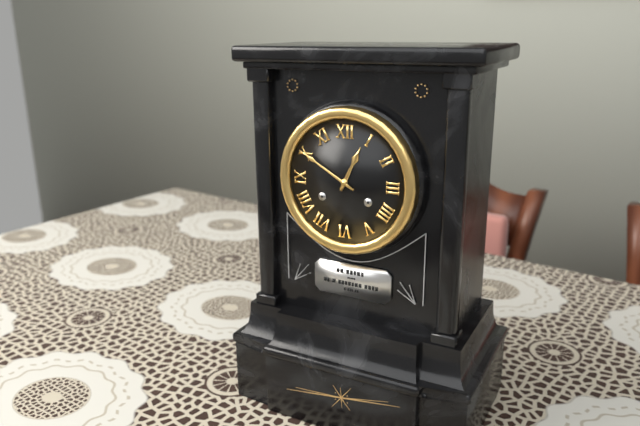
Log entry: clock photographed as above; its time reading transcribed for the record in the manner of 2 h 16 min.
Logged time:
12 h 50 min
